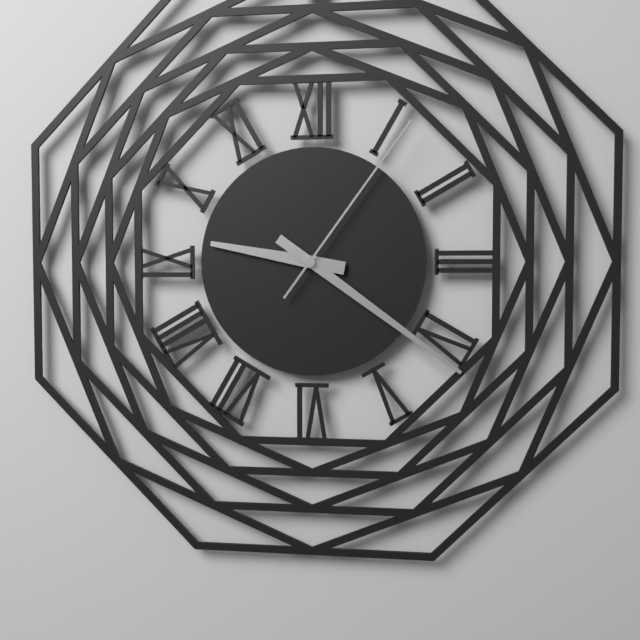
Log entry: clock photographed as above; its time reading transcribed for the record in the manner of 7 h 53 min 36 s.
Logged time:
9 h 21 min 06 s
